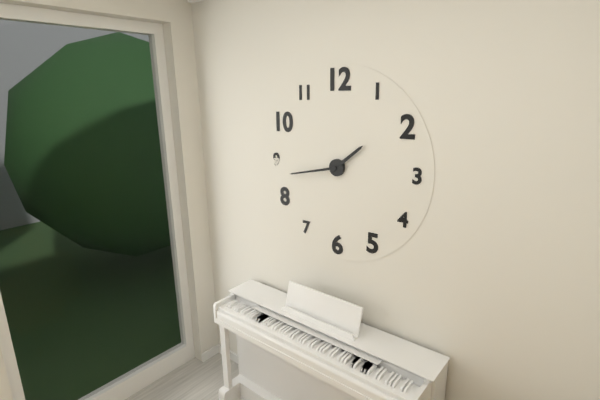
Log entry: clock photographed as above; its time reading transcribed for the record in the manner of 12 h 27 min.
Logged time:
1 h 43 min
